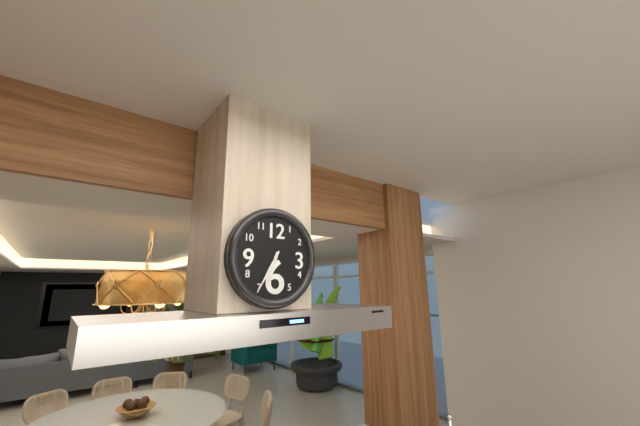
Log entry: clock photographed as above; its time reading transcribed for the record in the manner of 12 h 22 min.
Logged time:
6 h 35 min
